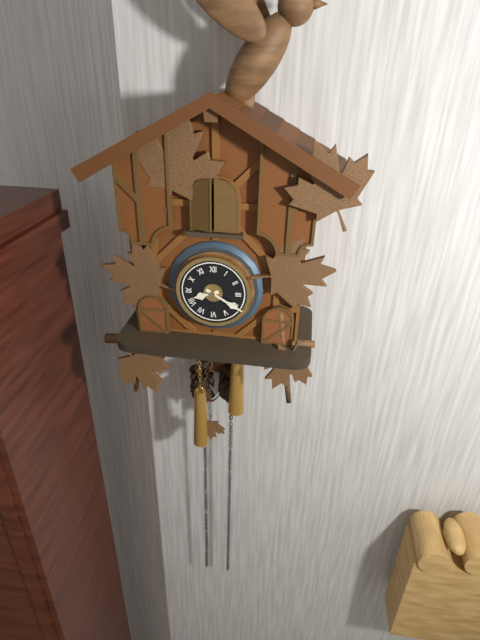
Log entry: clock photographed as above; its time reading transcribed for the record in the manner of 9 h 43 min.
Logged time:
8 h 20 min
